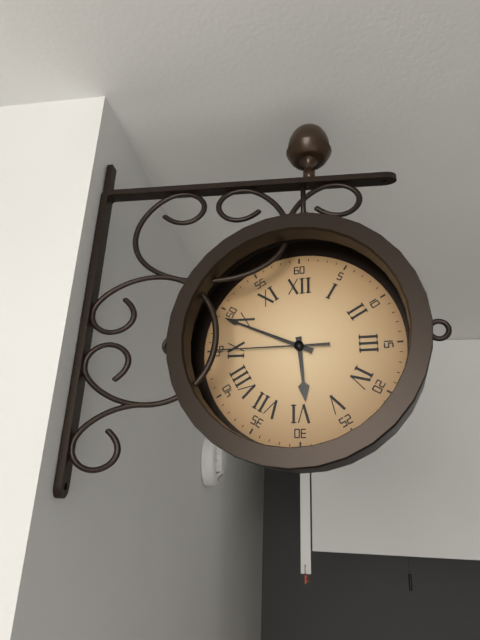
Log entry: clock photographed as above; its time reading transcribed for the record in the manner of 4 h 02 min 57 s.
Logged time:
5 h 49 min 45 s
